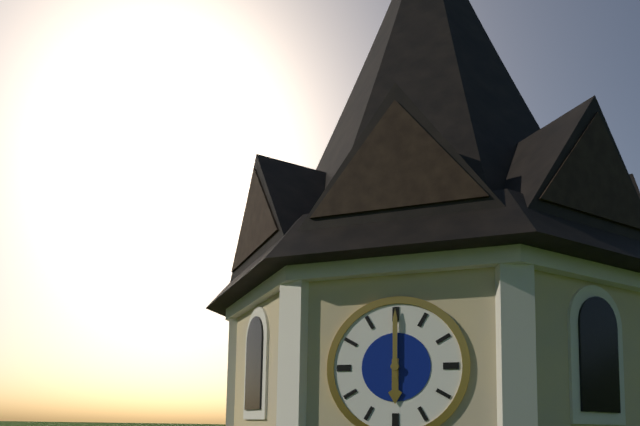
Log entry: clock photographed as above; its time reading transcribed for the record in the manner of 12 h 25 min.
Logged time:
6 h 00 min
